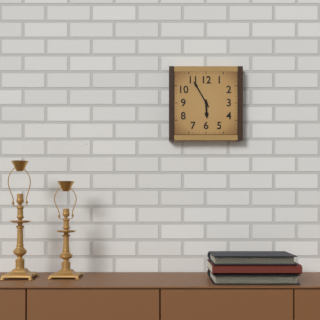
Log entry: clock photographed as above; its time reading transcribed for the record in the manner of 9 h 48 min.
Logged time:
5 h 55 min
